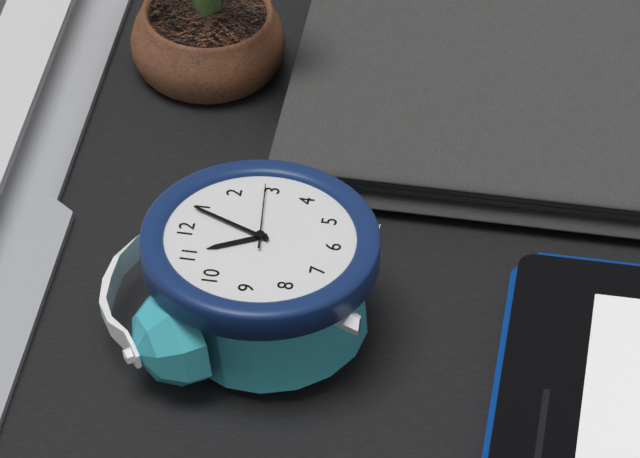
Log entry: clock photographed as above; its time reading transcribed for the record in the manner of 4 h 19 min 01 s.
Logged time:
11 h 04 min 14 s
